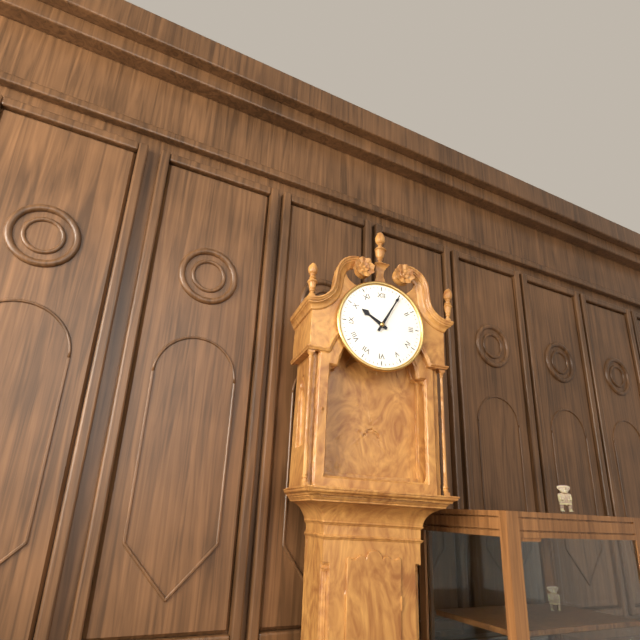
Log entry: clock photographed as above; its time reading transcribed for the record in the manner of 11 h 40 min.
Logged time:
10 h 05 min
